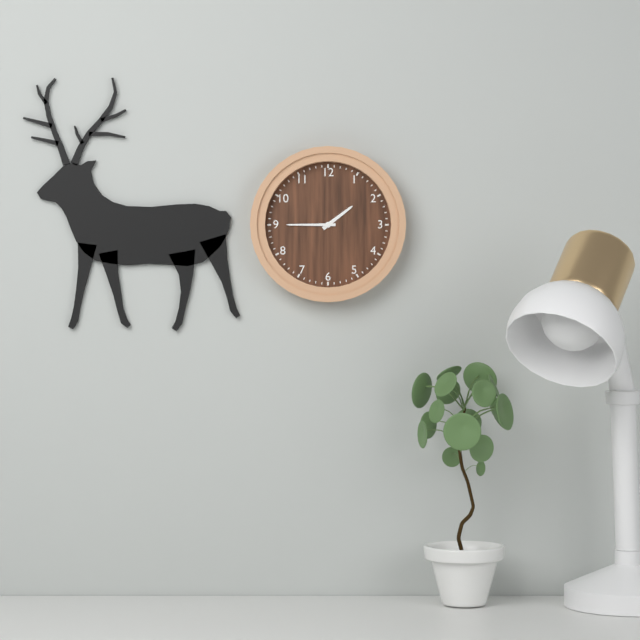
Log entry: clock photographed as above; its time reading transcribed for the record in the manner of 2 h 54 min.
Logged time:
1 h 45 min
